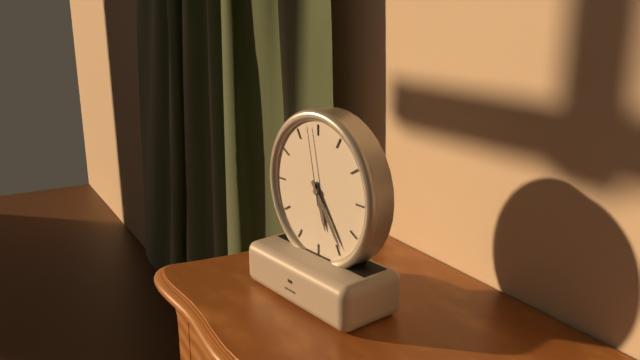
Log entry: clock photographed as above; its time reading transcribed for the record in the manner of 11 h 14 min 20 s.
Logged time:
5 h 24 min 58 s
